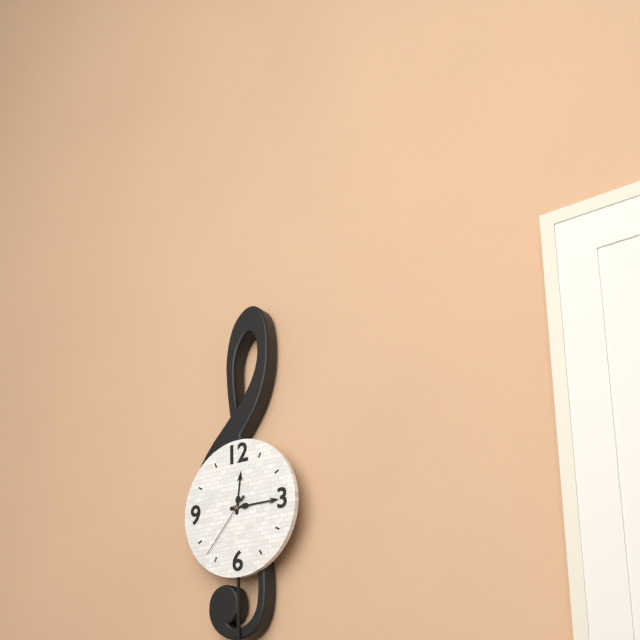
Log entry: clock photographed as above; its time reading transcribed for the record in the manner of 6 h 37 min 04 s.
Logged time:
12 h 15 min 37 s
